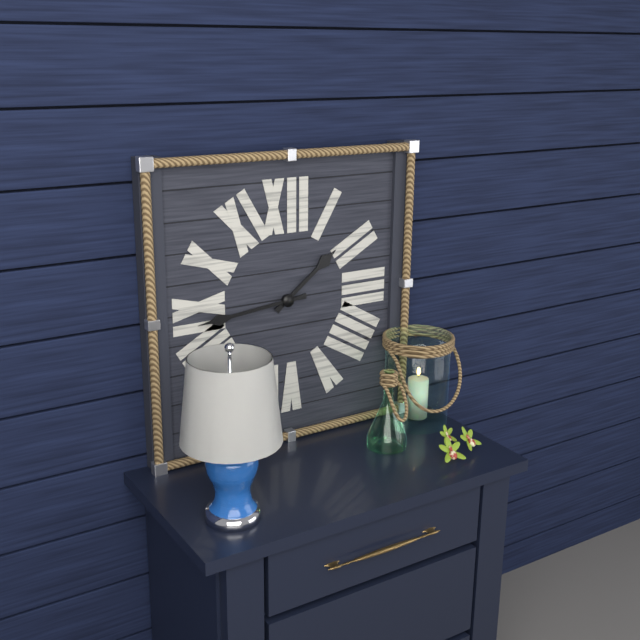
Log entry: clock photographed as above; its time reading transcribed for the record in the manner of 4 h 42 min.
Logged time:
1 h 44 min
